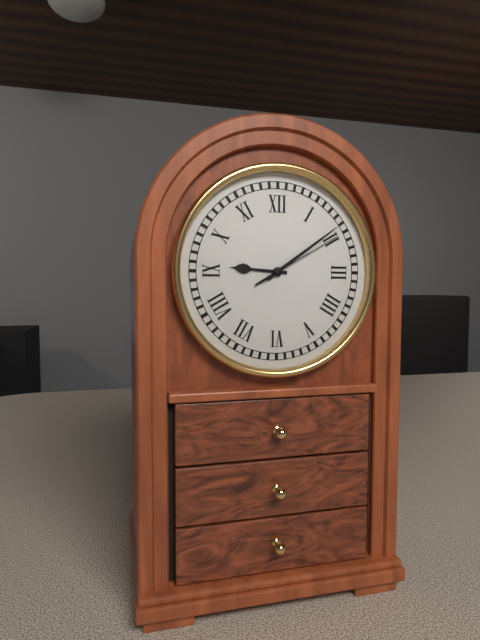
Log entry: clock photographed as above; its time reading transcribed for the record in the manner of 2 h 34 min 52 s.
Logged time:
9 h 09 min 10 s
